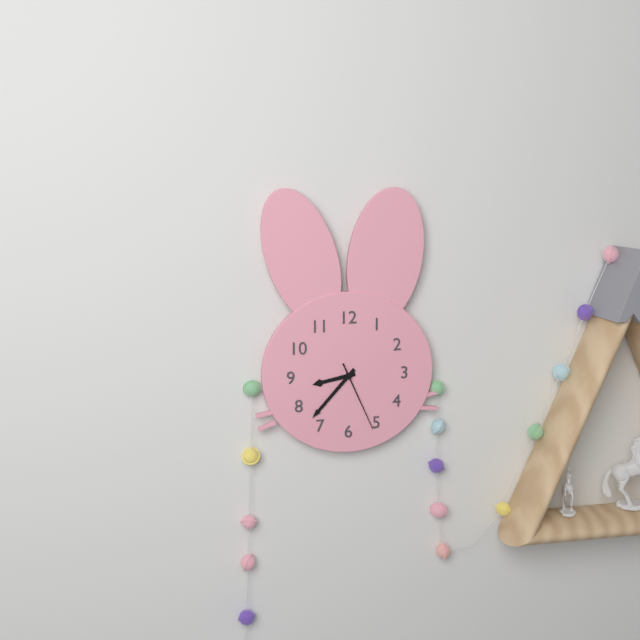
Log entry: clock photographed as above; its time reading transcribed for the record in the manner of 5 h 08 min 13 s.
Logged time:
8 h 37 min 26 s
